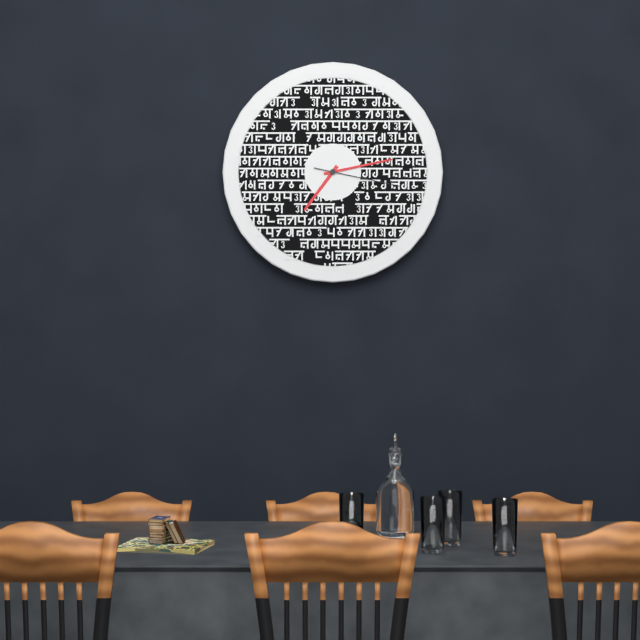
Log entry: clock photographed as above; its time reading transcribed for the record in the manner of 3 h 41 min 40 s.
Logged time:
7 h 13 min 17 s
